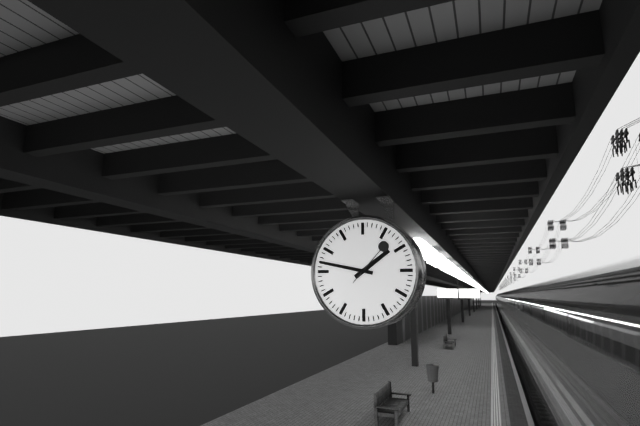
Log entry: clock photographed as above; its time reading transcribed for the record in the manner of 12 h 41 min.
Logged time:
1 h 47 min
